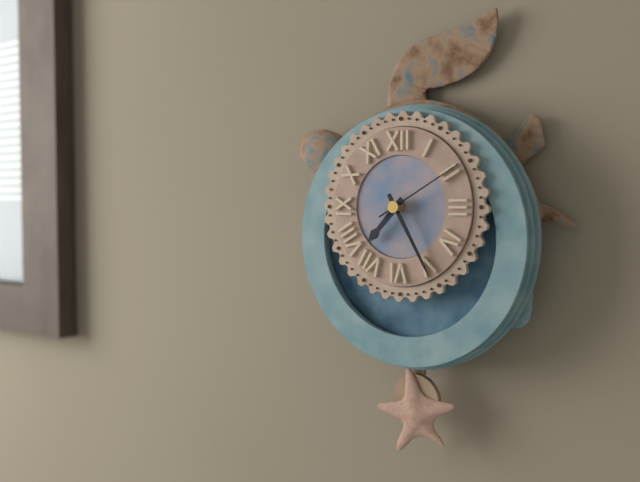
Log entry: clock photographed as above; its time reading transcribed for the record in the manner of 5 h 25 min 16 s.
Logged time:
7 h 25 min 10 s
